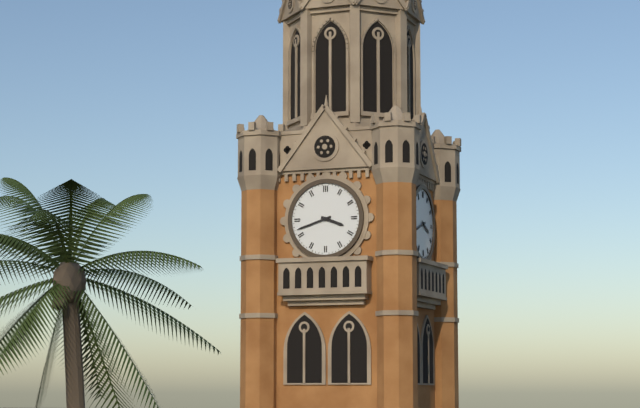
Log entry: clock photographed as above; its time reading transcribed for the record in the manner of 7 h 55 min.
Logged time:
3 h 42 min
